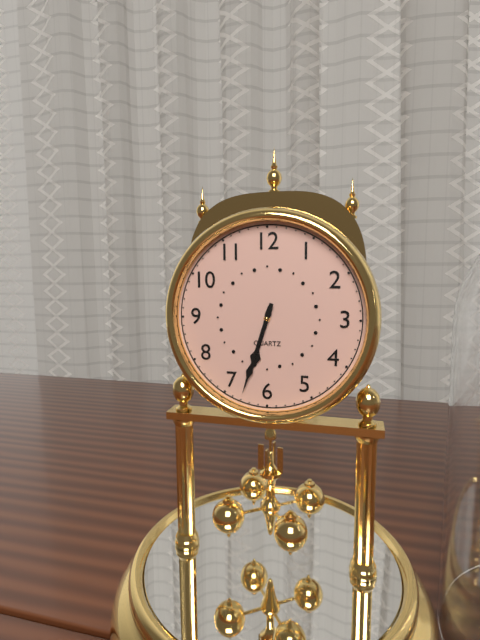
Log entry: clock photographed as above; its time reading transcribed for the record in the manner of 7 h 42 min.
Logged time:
6 h 33 min
